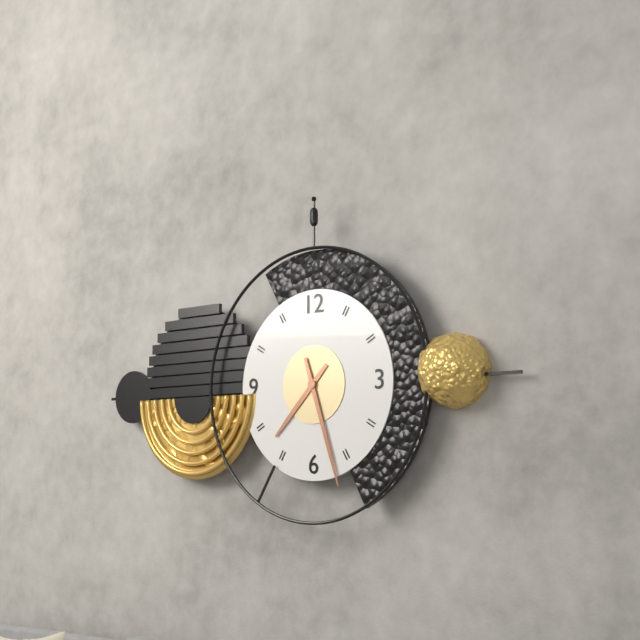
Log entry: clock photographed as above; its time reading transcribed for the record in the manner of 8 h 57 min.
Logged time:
7 h 27 min
